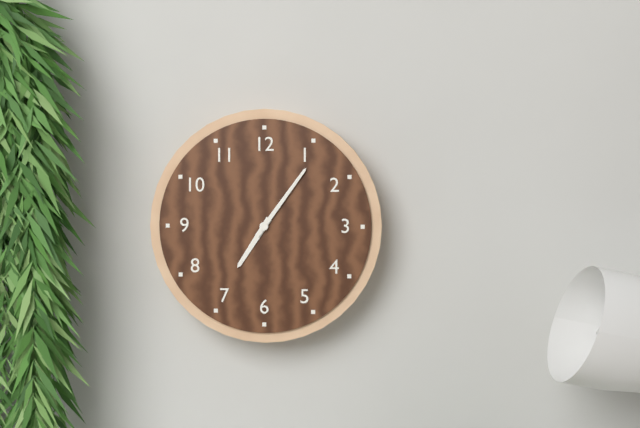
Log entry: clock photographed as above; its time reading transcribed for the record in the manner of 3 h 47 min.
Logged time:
7 h 06 min
